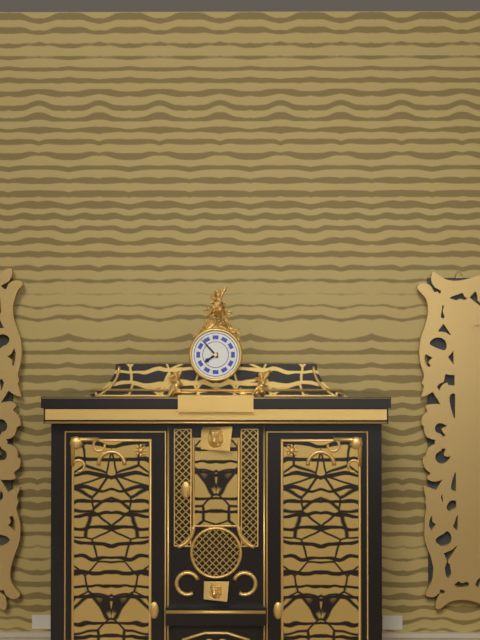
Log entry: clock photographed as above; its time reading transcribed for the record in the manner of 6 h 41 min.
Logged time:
7 h 53 min
